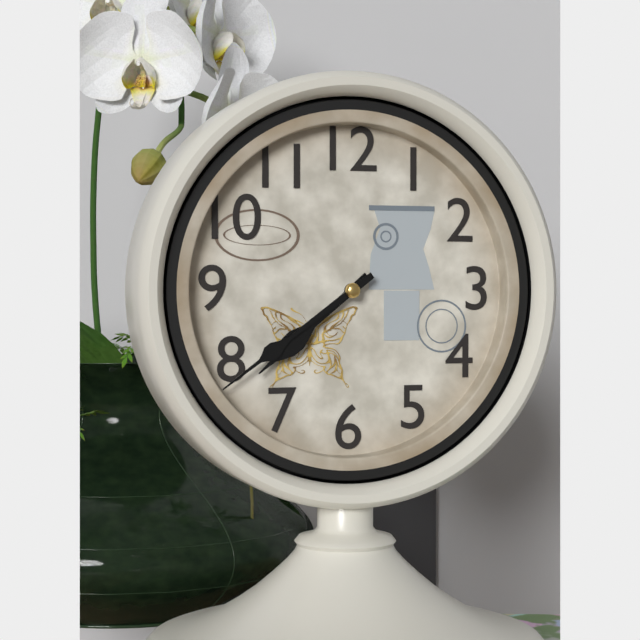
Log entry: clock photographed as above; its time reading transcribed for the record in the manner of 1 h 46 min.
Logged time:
7 h 39 min
